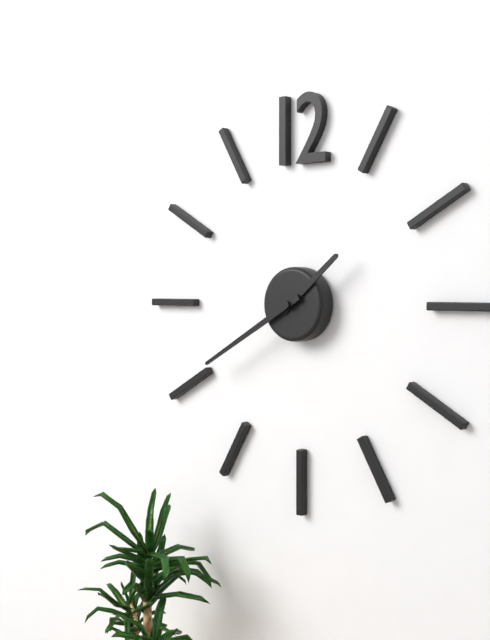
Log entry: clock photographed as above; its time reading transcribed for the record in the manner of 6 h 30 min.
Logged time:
1 h 40 min
